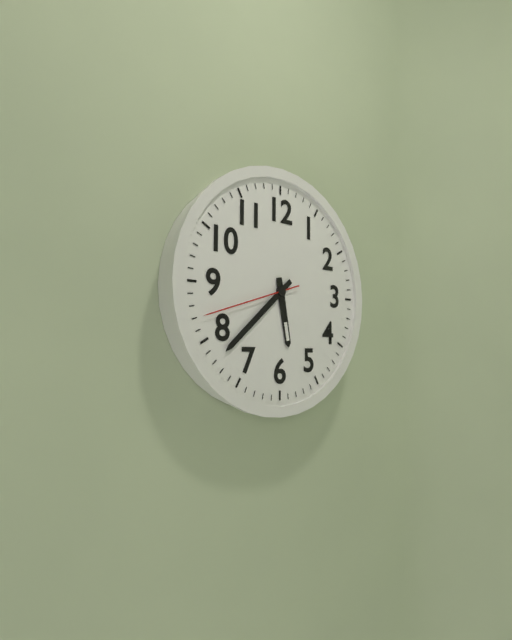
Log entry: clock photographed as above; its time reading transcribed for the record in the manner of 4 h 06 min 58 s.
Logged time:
5 h 38 min 42 s
